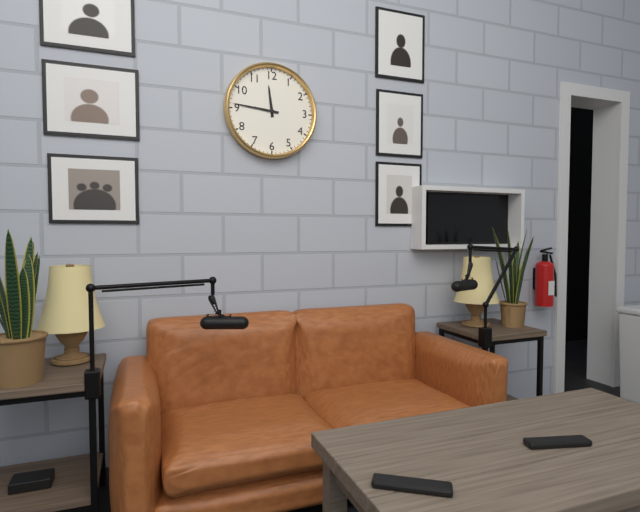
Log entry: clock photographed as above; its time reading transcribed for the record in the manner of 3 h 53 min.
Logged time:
11 h 46 min
